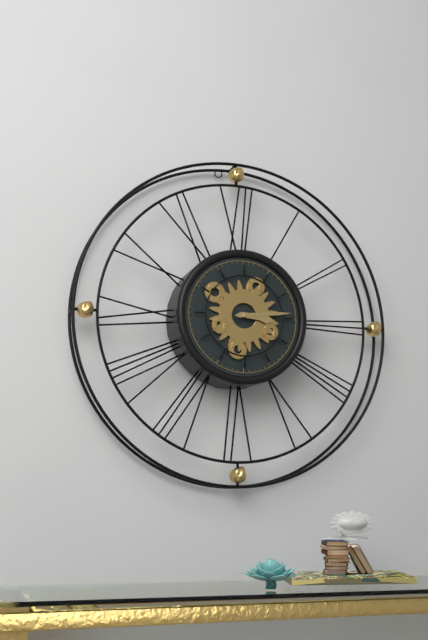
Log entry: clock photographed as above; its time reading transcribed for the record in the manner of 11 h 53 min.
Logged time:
3 h 14 min
